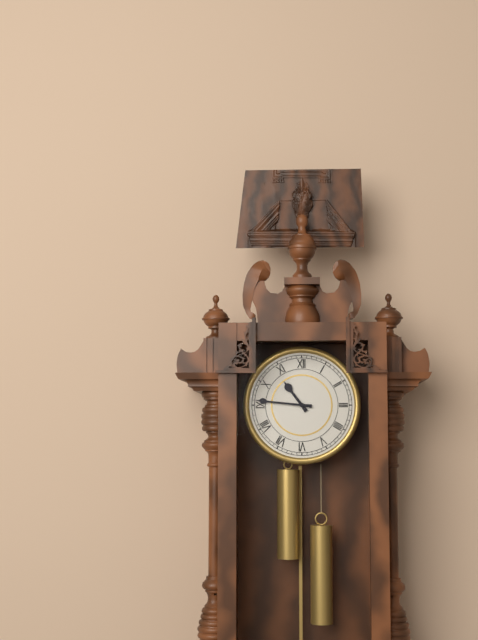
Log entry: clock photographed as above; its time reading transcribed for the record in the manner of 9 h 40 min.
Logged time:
10 h 46 min
